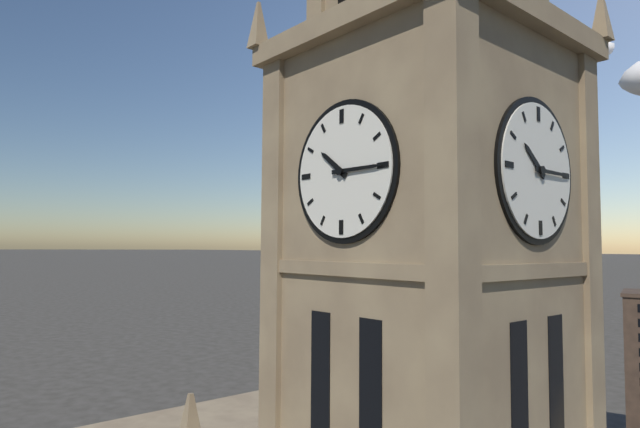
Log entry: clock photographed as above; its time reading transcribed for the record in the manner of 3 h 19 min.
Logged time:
10 h 15 min
